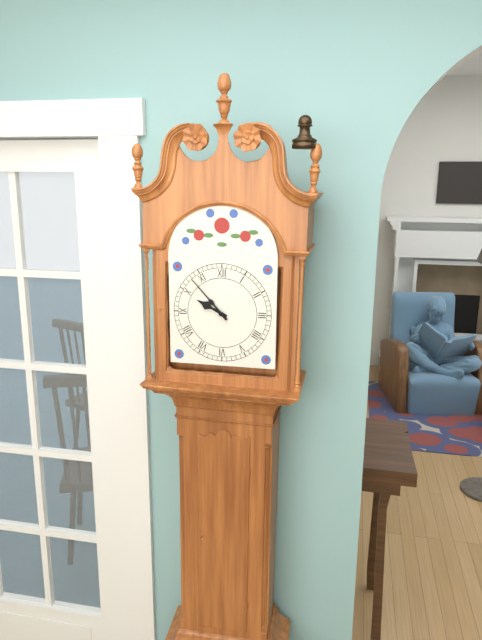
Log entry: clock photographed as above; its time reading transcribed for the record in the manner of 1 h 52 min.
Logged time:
9 h 53 min
